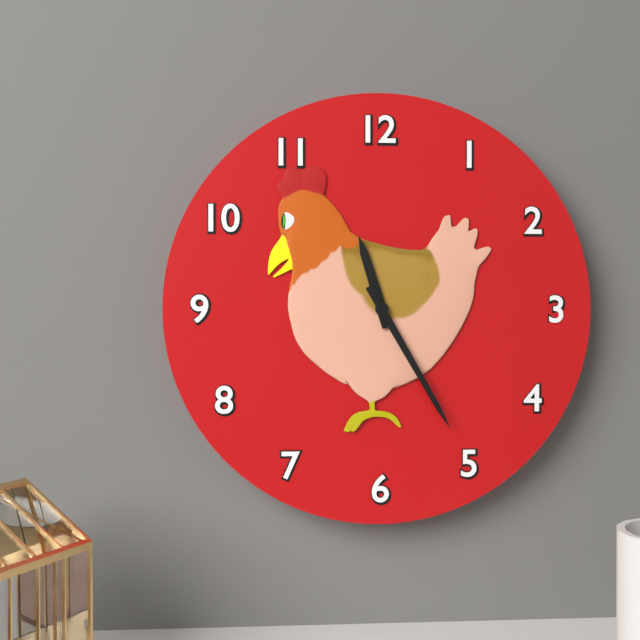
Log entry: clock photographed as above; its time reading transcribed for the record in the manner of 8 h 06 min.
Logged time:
11 h 25 min
